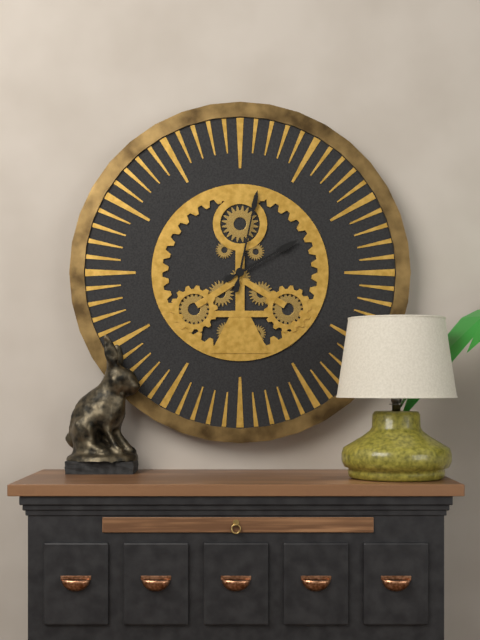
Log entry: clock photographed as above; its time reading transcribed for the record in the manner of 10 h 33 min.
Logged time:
2 h 02 min
